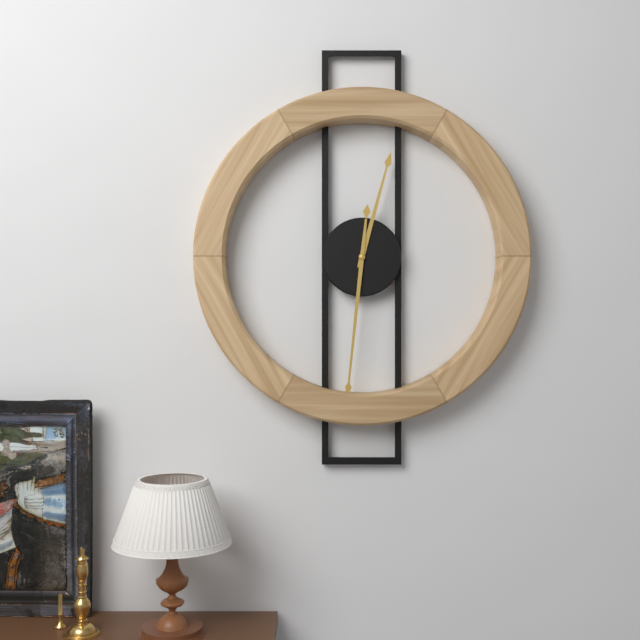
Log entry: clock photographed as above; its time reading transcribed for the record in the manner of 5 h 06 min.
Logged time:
12 h 31 min
